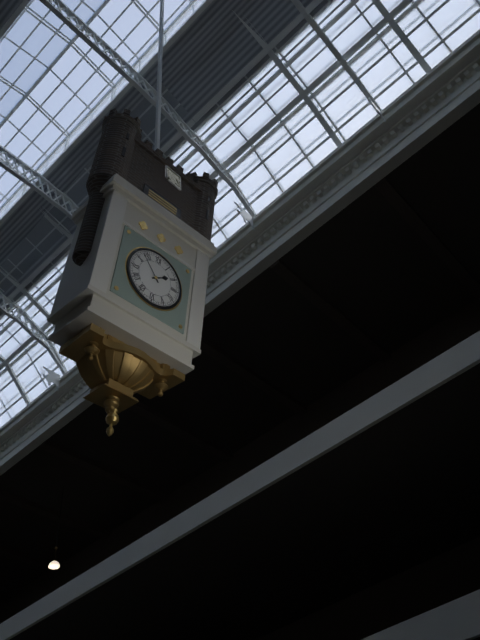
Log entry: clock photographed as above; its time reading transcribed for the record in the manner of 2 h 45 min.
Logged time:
1 h 53 min
